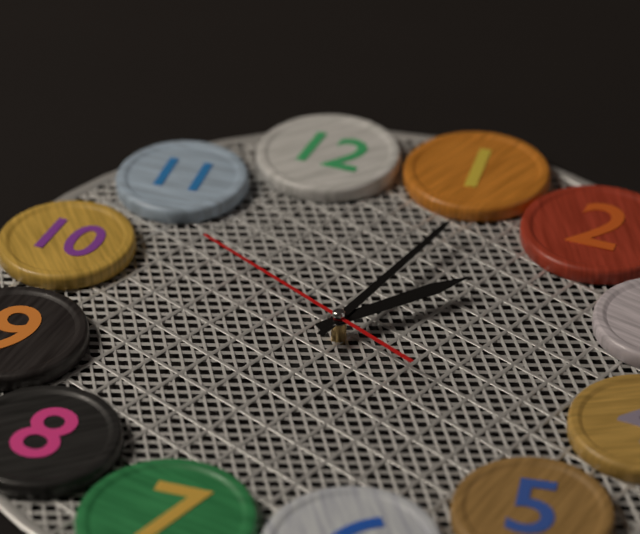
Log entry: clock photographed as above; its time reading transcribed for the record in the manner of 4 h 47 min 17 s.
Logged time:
2 h 06 min 53 s
